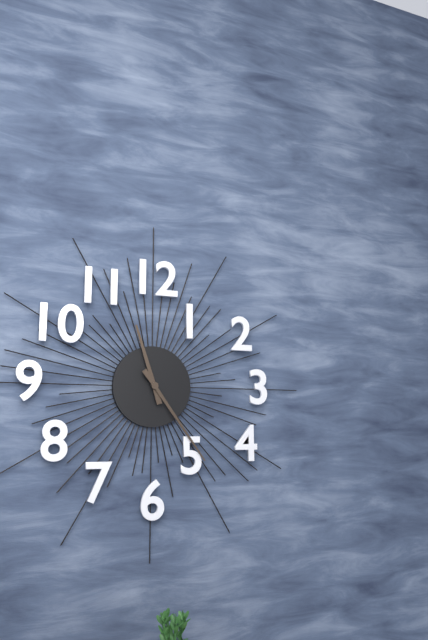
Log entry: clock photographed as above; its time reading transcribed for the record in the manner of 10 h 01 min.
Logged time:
11 h 24 min
